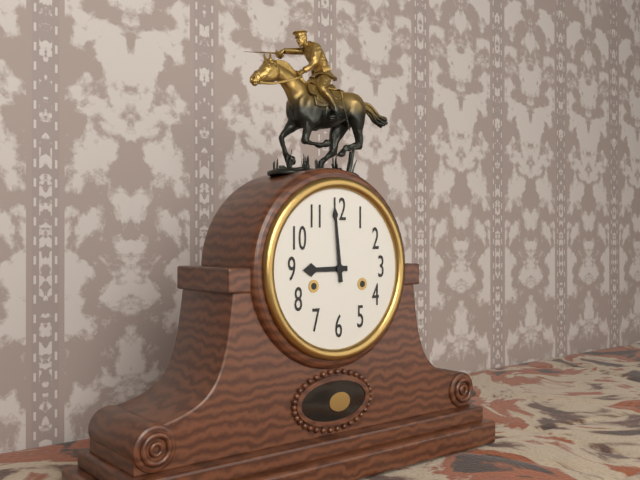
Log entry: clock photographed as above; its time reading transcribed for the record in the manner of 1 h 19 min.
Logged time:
8 h 59 min
